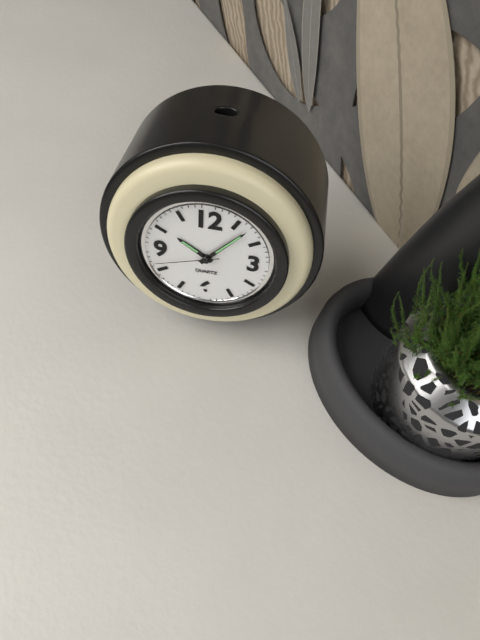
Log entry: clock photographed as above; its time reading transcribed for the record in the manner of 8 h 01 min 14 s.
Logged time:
10 h 07 min 42 s
